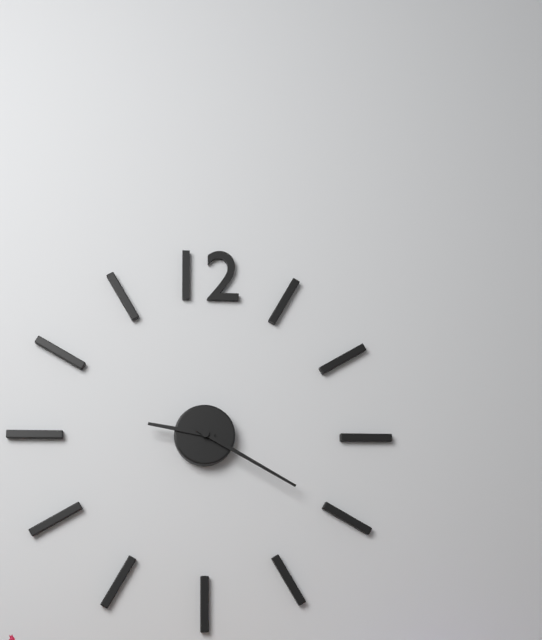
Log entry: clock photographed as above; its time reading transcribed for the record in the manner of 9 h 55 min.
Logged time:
9 h 20 min
